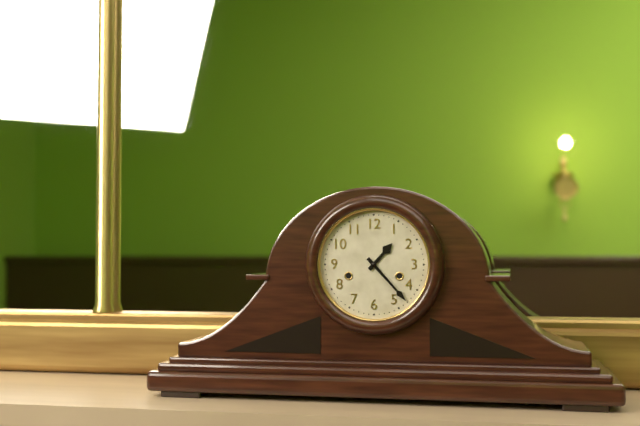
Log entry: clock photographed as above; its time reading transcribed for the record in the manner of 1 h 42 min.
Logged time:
1 h 23 min
